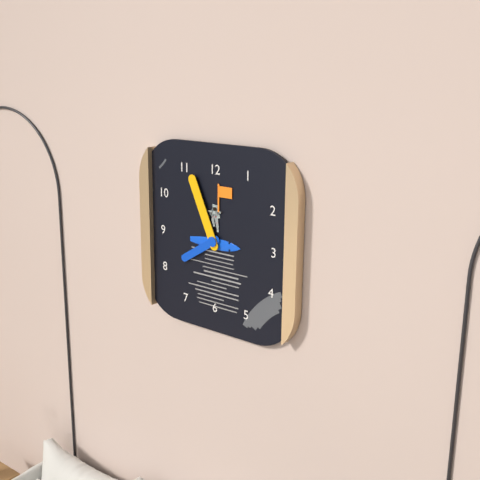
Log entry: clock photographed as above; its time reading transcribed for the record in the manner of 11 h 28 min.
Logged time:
7 h 56 min
